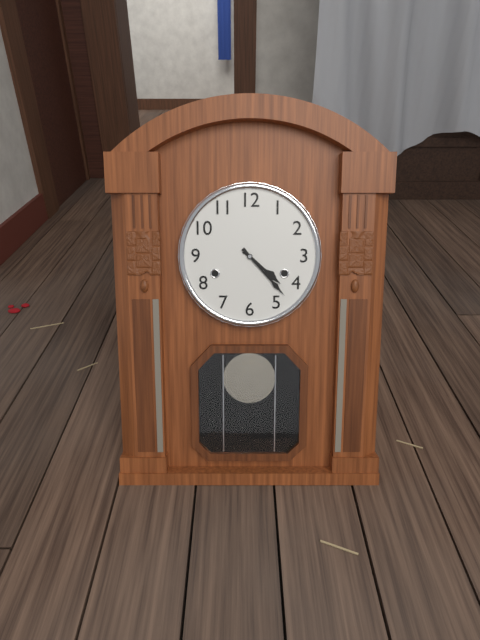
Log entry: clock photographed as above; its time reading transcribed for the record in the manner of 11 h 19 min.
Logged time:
4 h 23 min
